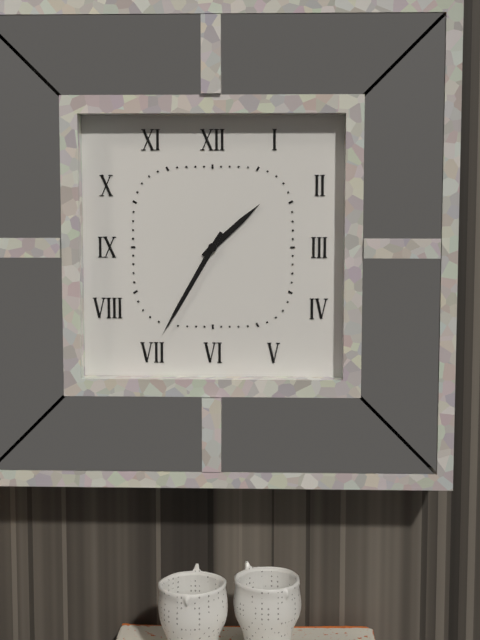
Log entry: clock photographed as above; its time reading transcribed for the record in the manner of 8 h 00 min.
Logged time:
1 h 35 min
